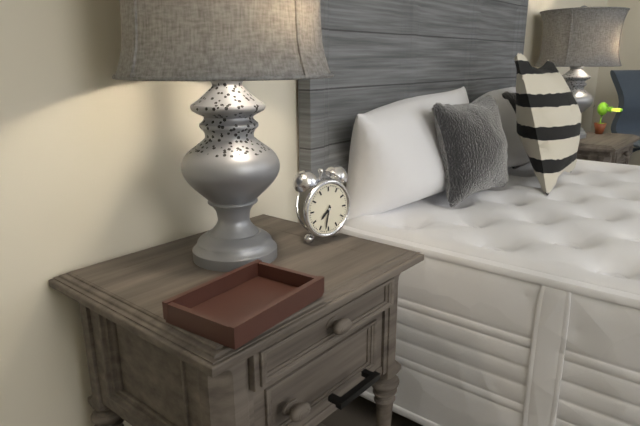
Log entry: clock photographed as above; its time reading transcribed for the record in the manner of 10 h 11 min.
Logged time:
7 h 32 min
